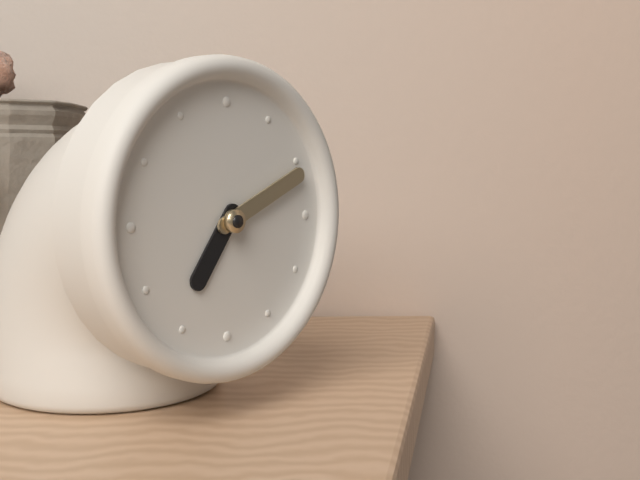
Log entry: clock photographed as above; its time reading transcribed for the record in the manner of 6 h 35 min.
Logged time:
7 h 11 min
